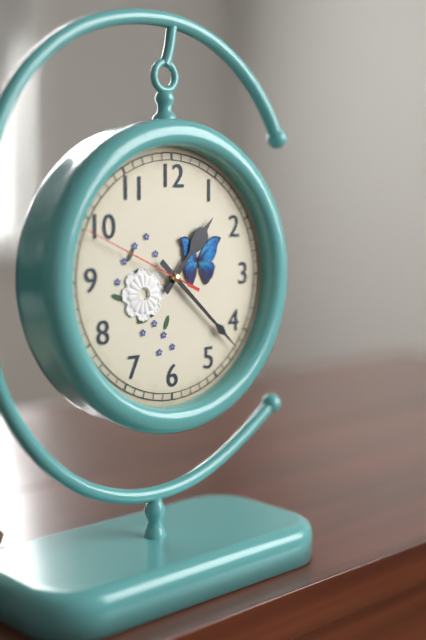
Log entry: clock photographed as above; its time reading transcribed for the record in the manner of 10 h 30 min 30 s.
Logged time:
1 h 22 min 49 s
